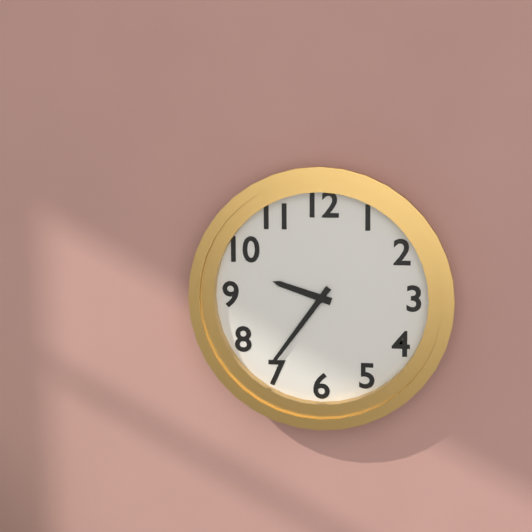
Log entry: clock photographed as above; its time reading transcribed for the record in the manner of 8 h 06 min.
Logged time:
9 h 36 min
